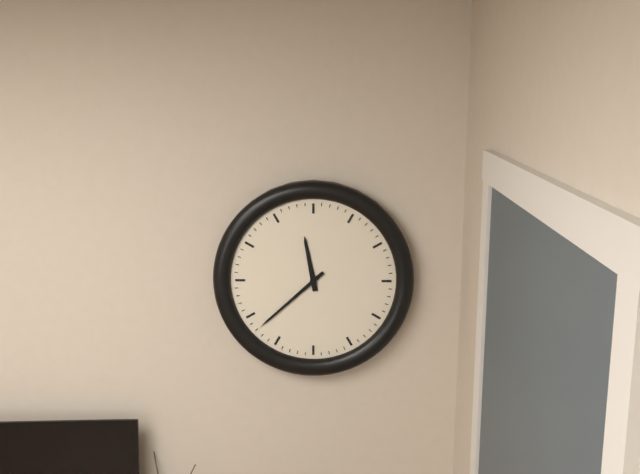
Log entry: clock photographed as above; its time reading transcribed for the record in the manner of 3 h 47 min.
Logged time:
11 h 38 min
